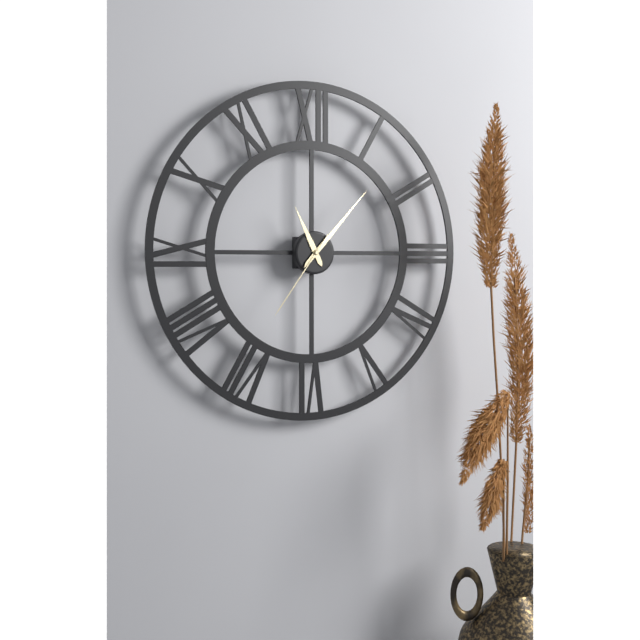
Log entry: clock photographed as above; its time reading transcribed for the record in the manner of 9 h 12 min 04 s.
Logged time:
11 h 07 min 36 s
